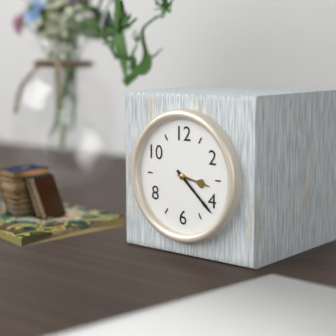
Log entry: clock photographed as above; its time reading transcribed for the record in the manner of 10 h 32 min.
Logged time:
3 h 22 min
